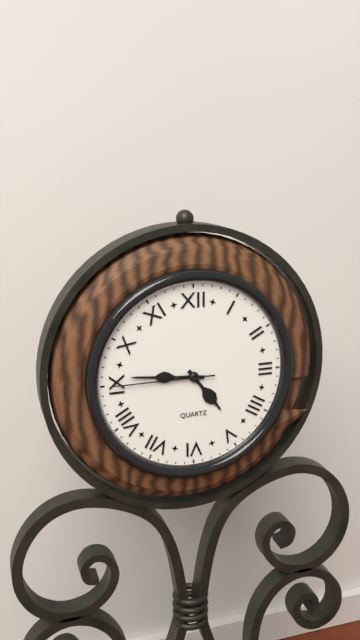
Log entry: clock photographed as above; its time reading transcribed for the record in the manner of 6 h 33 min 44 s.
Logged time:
4 h 46 min 45 s
